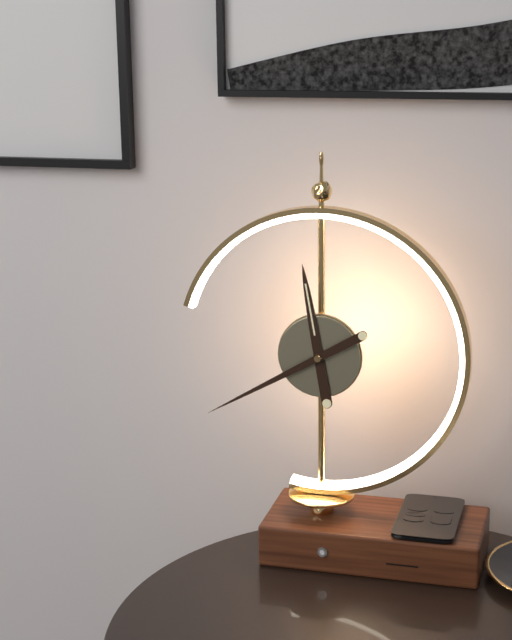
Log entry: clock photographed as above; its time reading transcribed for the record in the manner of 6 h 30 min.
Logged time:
11 h 40 min
